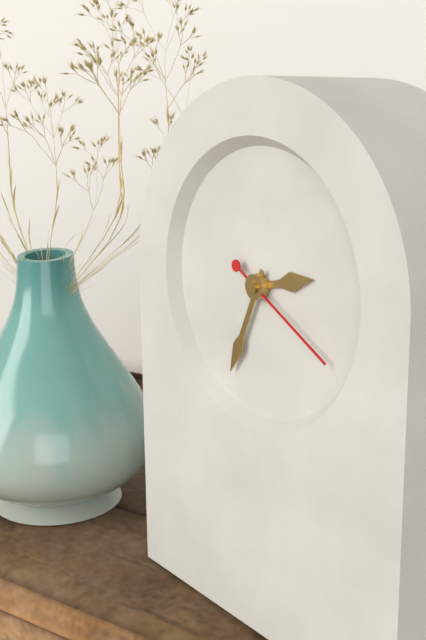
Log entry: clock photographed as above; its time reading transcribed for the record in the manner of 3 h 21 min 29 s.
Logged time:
2 h 34 min 20 s
